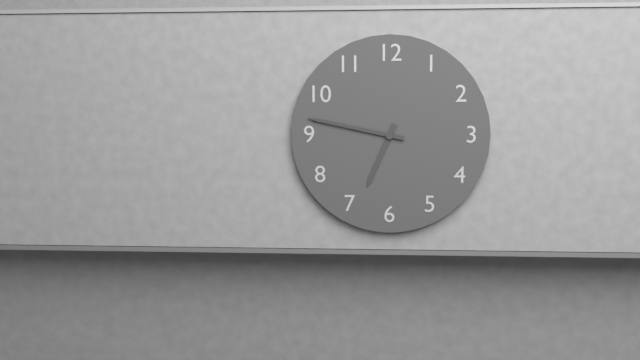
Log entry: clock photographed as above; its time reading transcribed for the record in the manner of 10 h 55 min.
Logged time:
6 h 47 min
